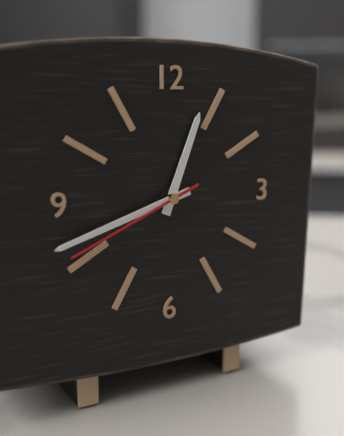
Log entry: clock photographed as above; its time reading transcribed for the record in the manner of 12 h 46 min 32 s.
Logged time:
12 h 42 min 41 s
